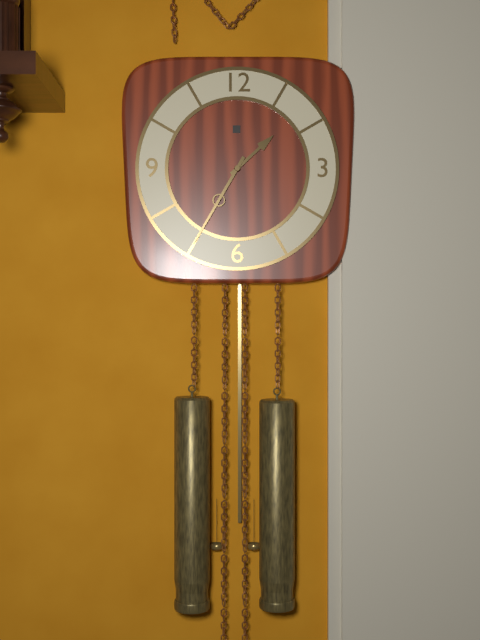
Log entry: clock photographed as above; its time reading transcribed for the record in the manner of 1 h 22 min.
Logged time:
1 h 35 min
